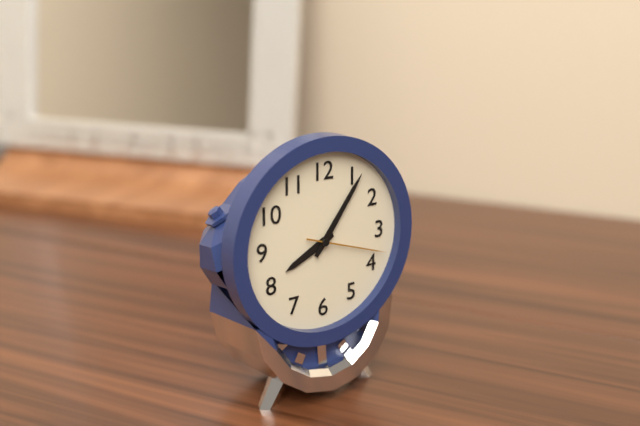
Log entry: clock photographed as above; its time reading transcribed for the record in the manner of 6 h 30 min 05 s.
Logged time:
8 h 06 min 18 s
